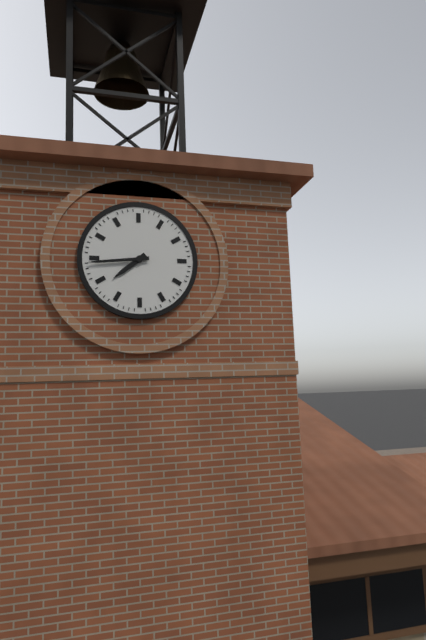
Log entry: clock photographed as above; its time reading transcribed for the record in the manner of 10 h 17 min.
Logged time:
7 h 44 min
